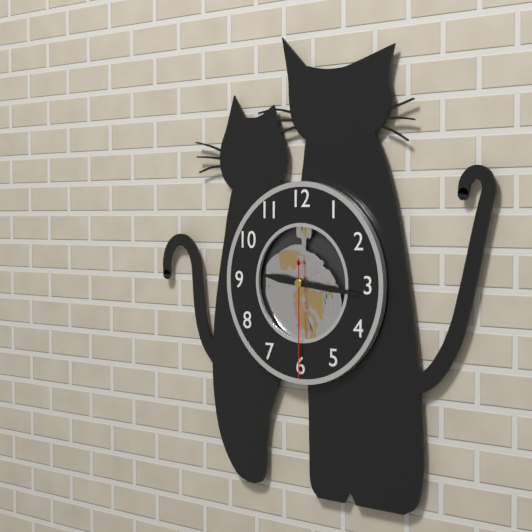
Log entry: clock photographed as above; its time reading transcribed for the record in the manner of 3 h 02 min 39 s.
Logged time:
9 h 16 min 30 s
